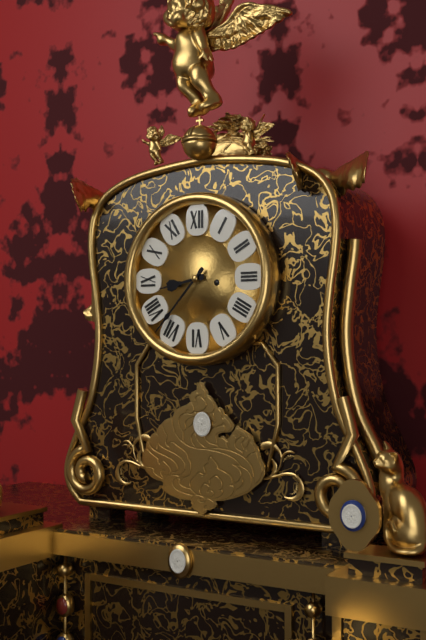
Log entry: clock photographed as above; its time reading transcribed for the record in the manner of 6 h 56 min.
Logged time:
8 h 37 min
